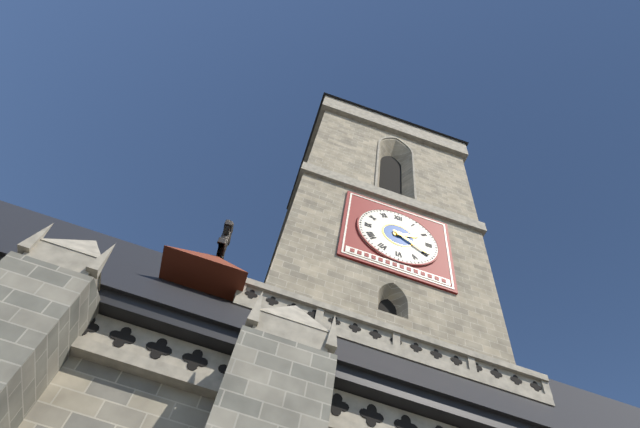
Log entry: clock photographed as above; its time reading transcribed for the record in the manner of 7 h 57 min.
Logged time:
2 h 20 min
